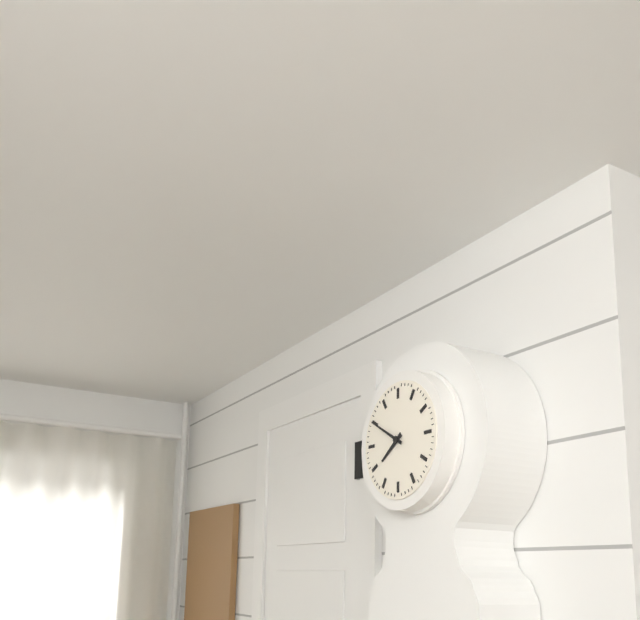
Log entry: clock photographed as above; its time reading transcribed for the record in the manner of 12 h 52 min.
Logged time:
7 h 50 min
